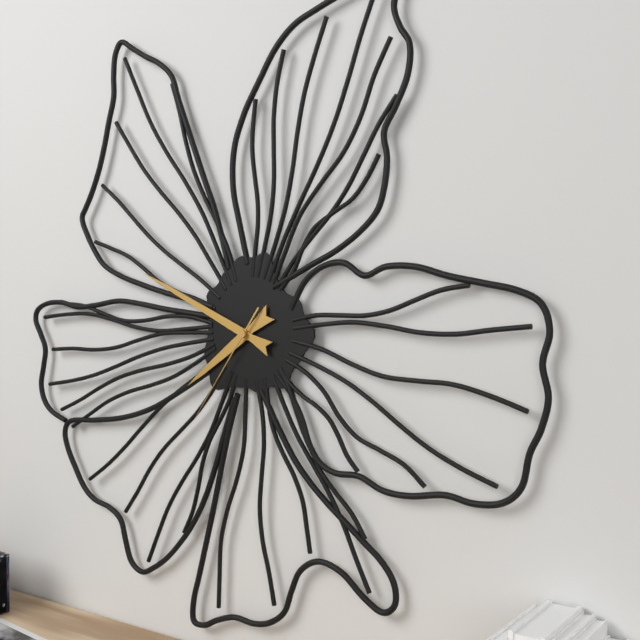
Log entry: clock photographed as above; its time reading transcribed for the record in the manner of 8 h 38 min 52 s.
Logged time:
7 h 49 min 36 s
